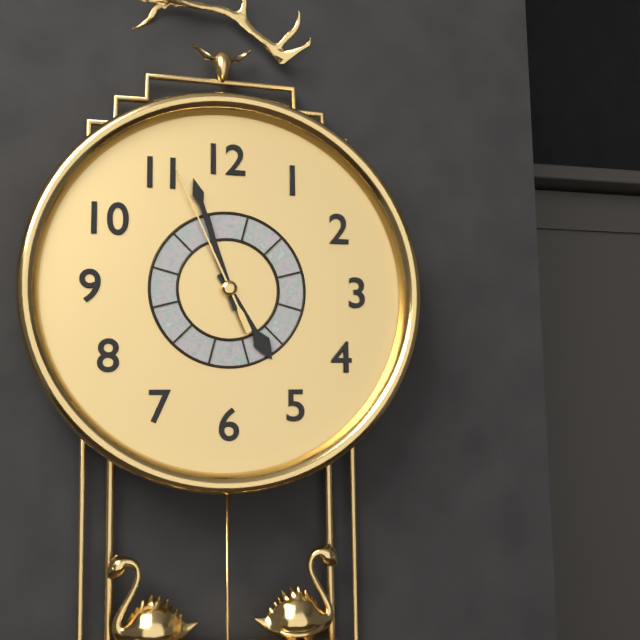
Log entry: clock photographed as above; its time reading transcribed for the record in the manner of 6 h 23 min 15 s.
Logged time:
4 h 57 min 56 s
